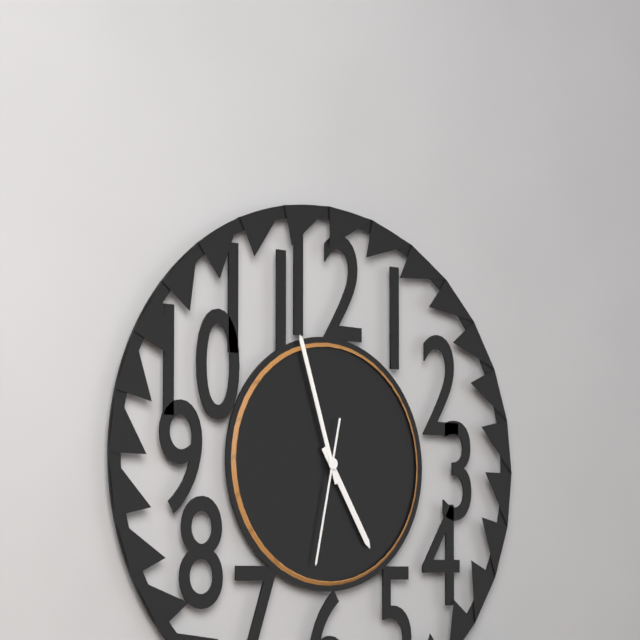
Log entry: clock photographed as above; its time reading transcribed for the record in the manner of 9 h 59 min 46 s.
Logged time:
4 h 57 min 32 s
